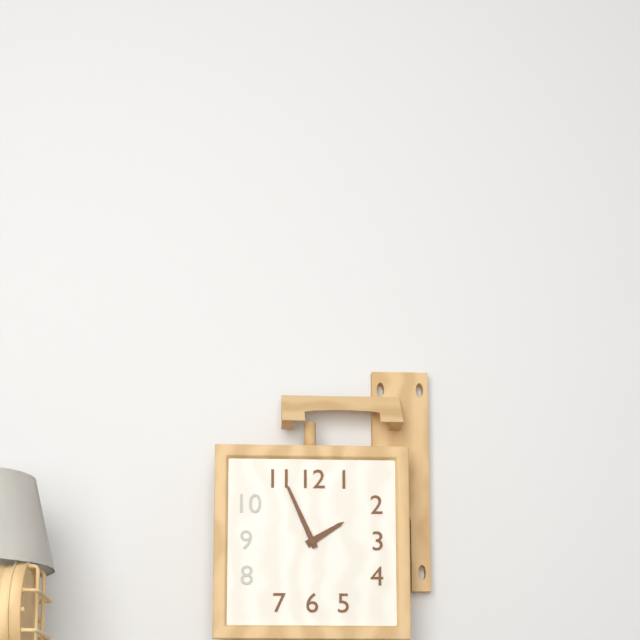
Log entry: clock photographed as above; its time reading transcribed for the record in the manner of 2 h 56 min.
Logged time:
1 h 56 min
